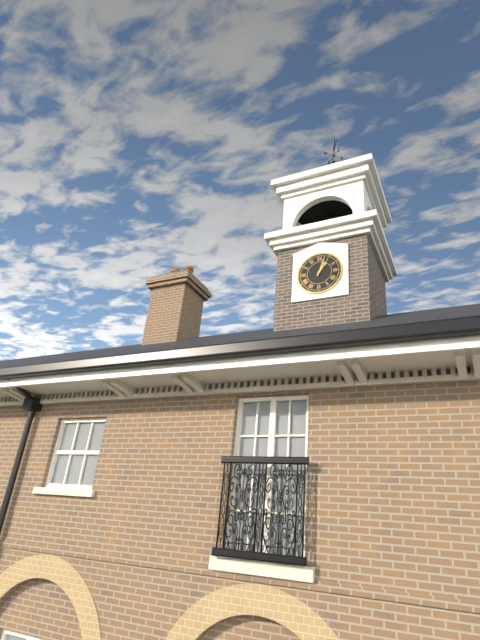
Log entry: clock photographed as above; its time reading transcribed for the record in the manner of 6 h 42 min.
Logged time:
1 h 03 min
